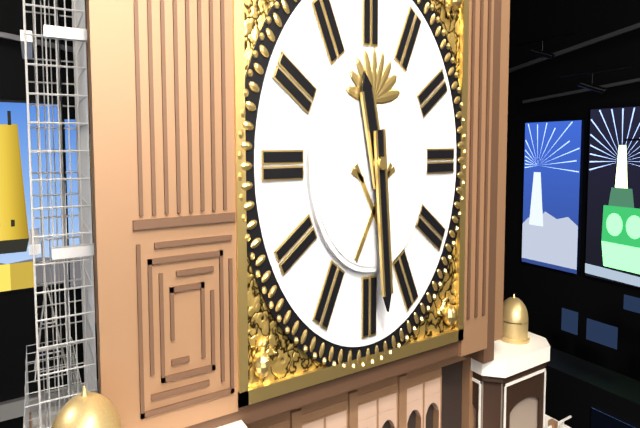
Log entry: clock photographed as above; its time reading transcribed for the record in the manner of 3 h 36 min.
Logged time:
11 h 29 min
